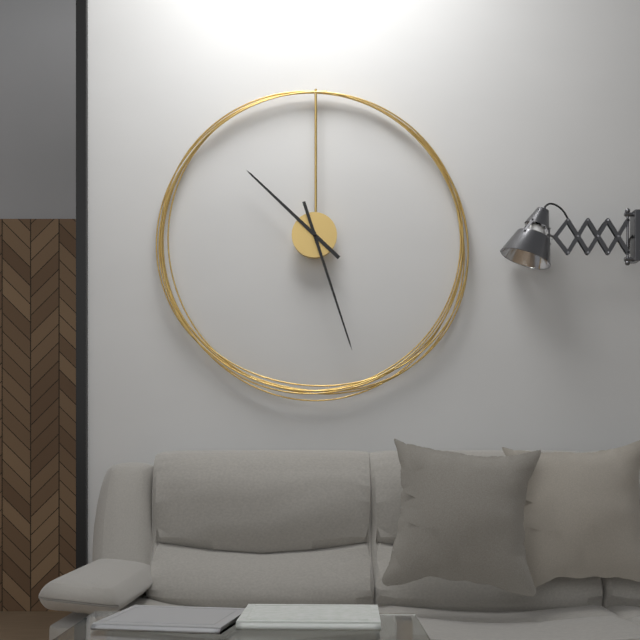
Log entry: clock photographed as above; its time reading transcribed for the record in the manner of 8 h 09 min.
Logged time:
10 h 27 min
